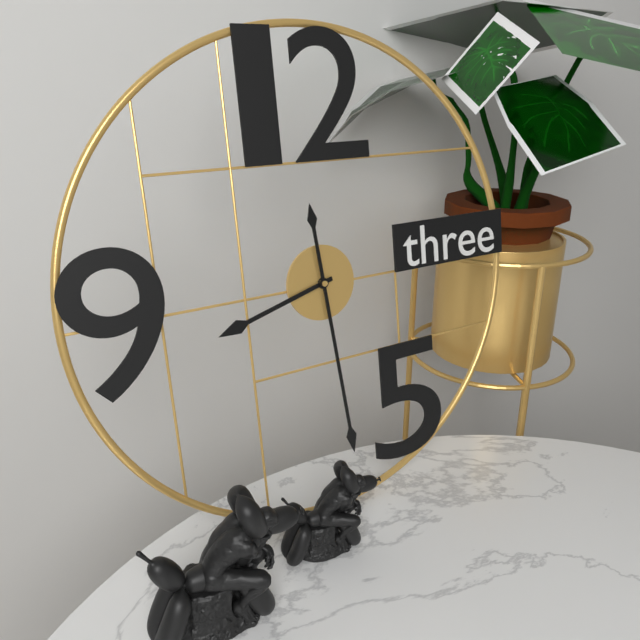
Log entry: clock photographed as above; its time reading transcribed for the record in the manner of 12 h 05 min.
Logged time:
8 h 29 min
